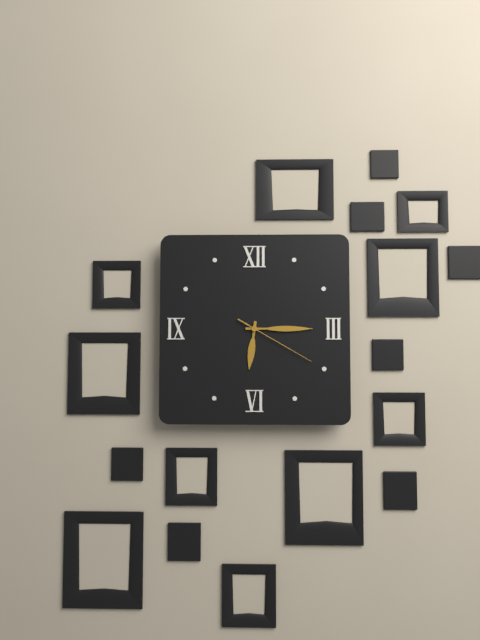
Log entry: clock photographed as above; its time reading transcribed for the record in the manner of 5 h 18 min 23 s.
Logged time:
6 h 15 min 20 s
